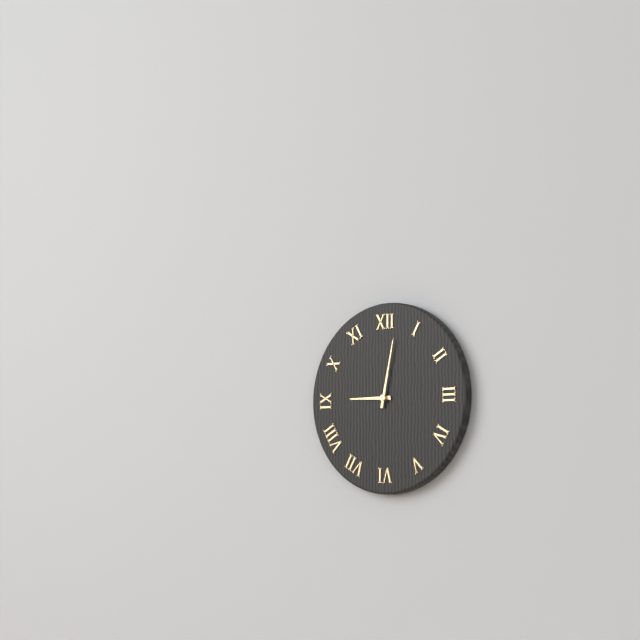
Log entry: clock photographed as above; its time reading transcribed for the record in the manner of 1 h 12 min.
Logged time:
9 h 02 min
